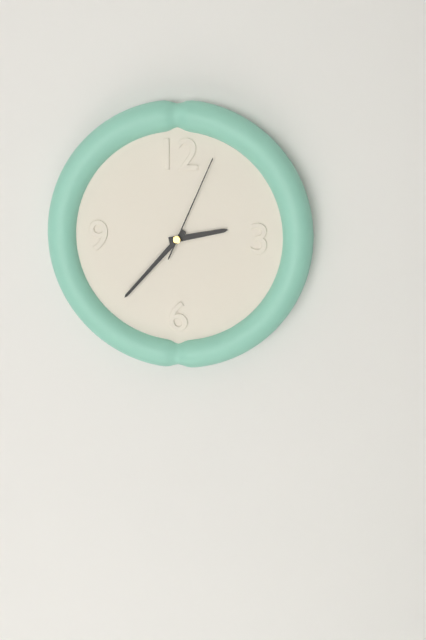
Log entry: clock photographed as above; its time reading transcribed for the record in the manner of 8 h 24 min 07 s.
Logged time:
2 h 37 min 04 s
